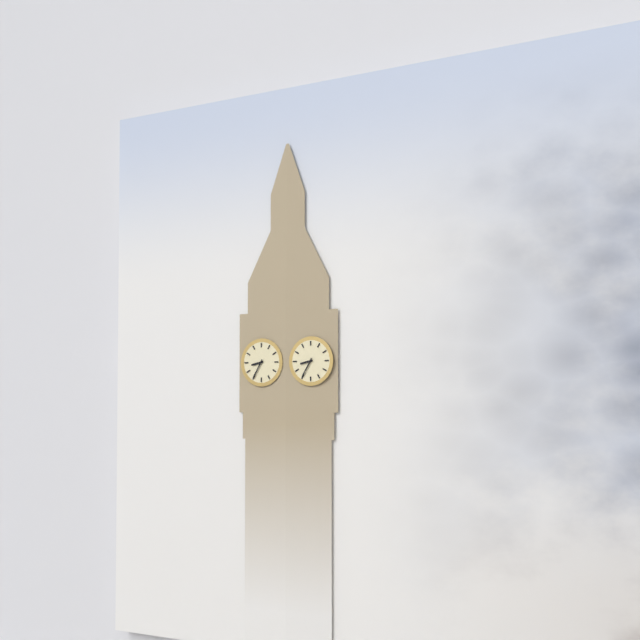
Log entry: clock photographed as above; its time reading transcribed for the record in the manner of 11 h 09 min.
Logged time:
8 h 35 min
